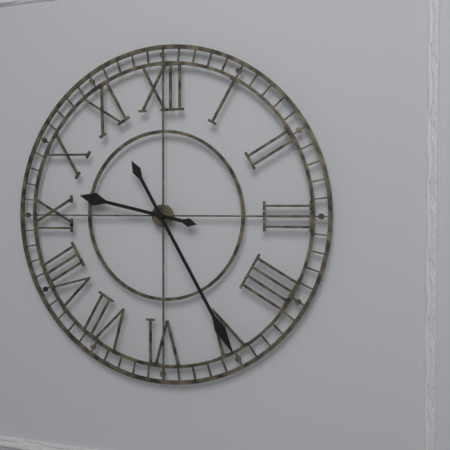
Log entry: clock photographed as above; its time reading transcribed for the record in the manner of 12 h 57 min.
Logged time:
9 h 25 min
